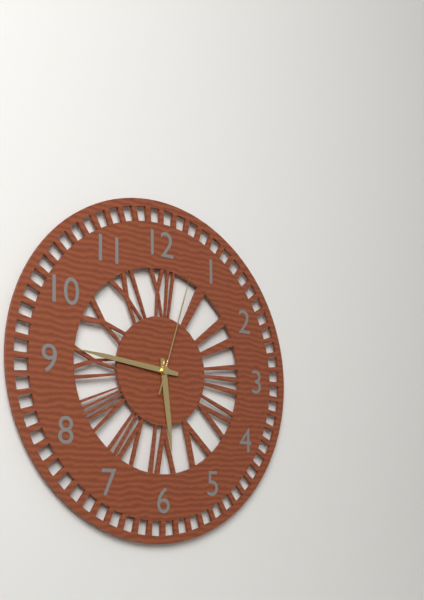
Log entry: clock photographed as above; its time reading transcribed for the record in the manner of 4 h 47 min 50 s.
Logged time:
5 h 46 min 03 s
